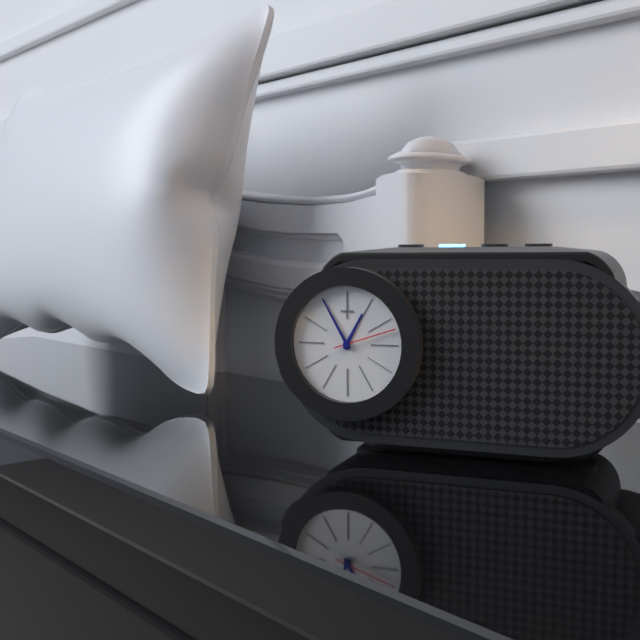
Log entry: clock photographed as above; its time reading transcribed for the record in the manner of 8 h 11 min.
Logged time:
12 h 55 min
